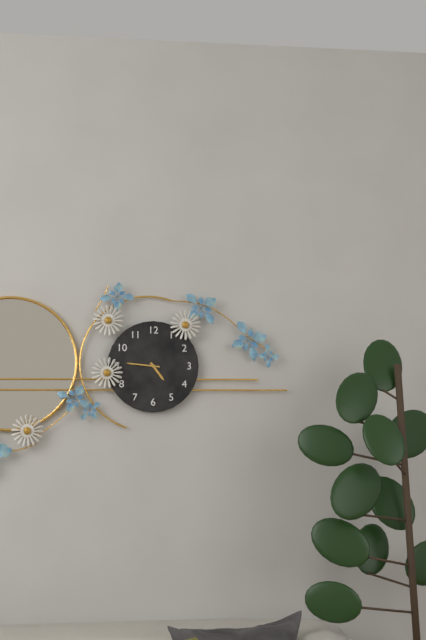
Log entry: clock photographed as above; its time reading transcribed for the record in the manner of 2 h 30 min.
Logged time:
4 h 46 min
